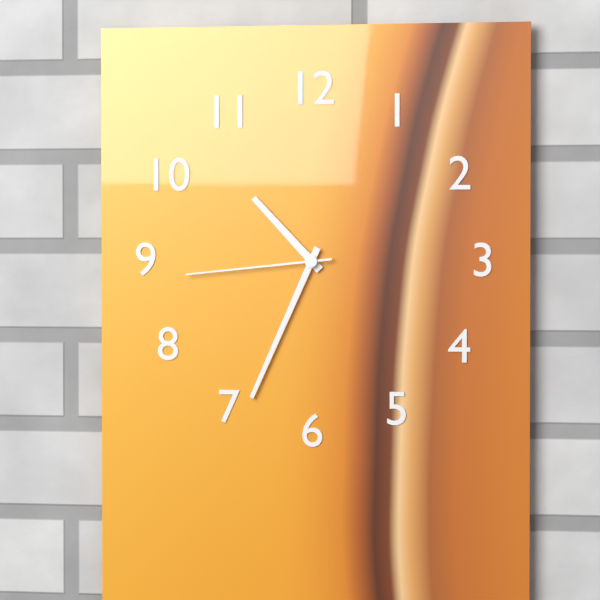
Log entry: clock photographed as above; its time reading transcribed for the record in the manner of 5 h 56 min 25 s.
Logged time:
10 h 34 min 44 s
